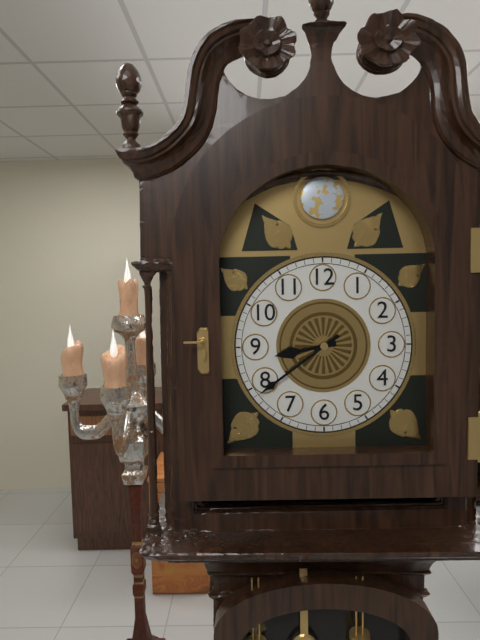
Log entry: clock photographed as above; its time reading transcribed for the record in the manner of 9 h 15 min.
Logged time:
8 h 39 min
